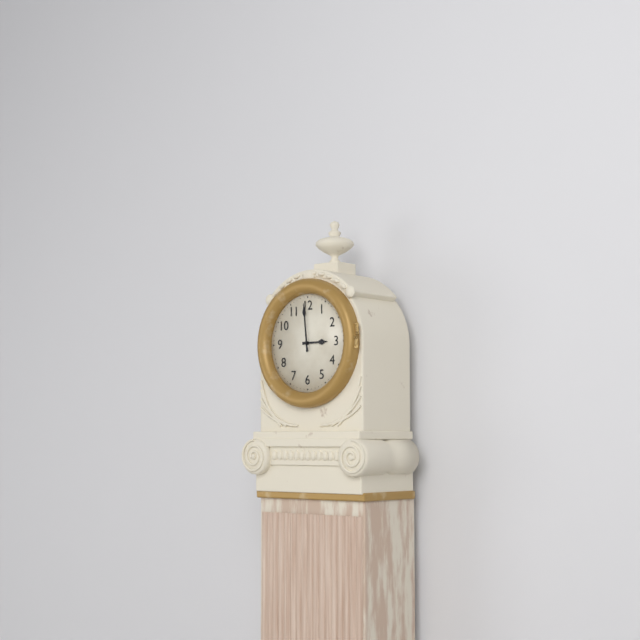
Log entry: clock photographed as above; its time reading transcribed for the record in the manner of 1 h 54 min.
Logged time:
2 h 59 min
